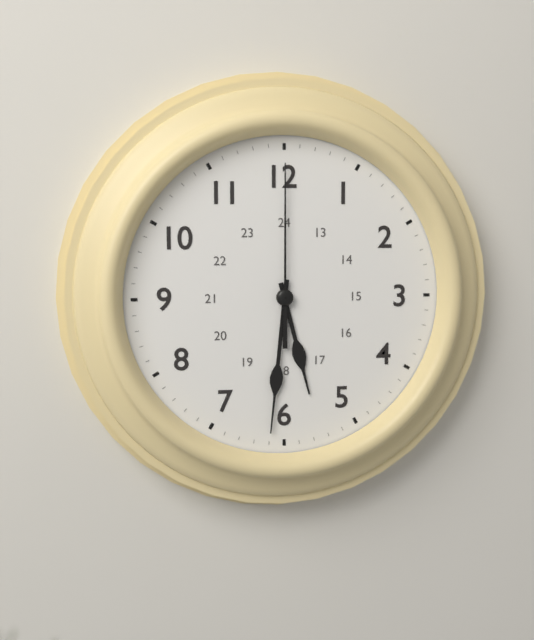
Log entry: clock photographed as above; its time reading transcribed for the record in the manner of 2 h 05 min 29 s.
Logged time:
5 h 31 min 00 s
